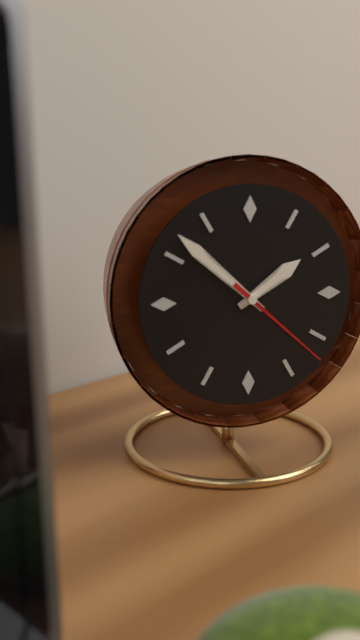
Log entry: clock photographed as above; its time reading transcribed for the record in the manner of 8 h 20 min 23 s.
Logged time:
1 h 52 min 22 s
